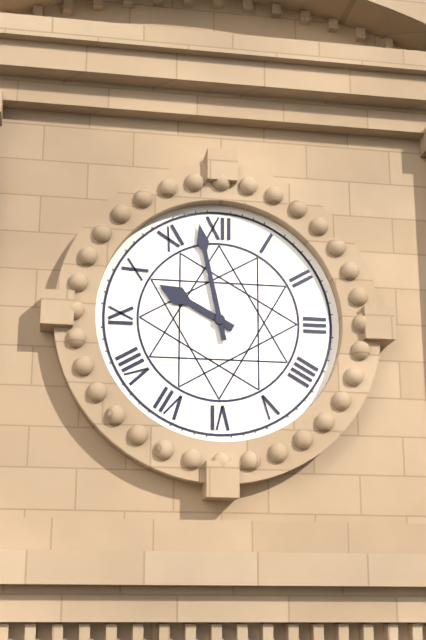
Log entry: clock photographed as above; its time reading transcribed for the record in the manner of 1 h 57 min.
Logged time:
9 h 58 min
